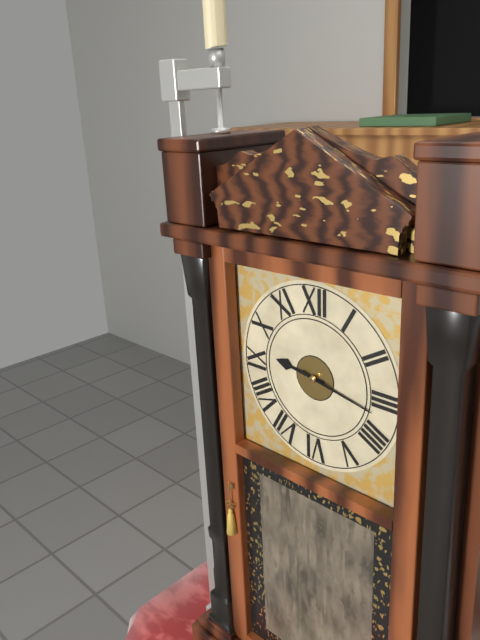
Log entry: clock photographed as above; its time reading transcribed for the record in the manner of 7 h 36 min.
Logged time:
9 h 17 min
